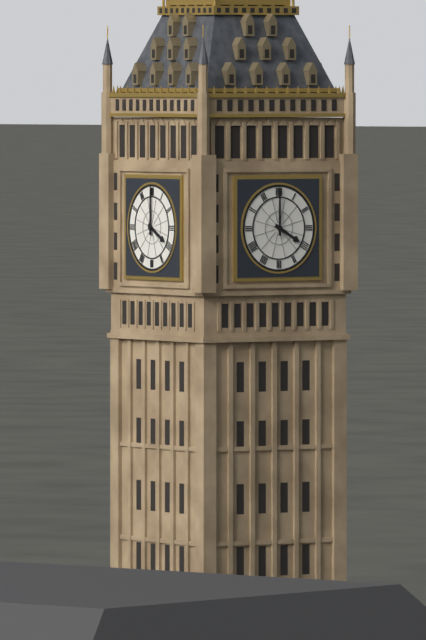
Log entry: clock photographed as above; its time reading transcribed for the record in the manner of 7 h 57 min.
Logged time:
4 h 00 min
